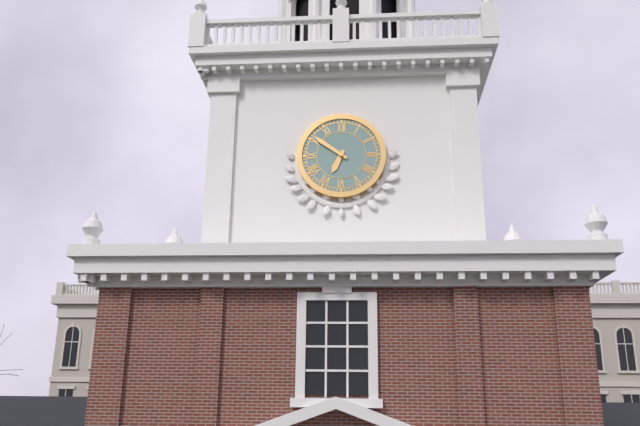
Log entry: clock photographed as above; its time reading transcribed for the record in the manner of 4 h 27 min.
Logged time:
6 h 51 min
